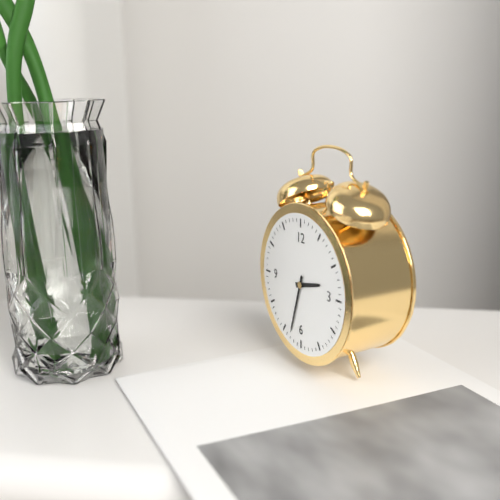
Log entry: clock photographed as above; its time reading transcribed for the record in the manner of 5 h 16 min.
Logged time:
2 h 33 min
